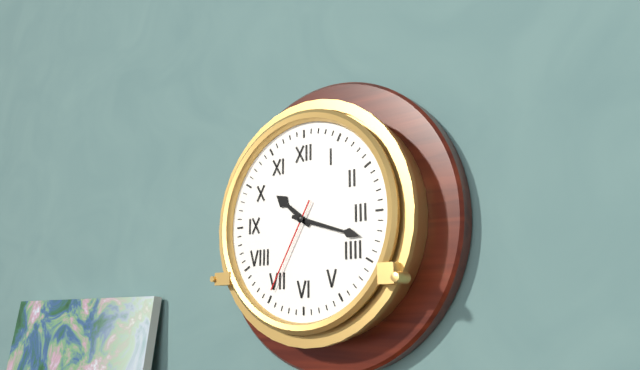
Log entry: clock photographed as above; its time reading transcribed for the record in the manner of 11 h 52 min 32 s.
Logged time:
10 h 18 min 35 s
